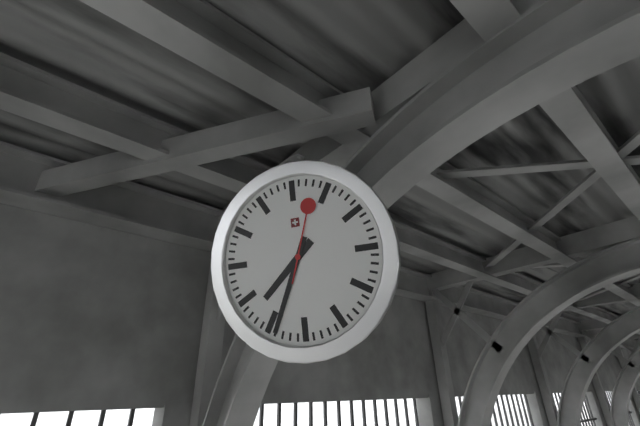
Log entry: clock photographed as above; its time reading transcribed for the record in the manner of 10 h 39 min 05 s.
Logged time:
7 h 34 min 03 s
